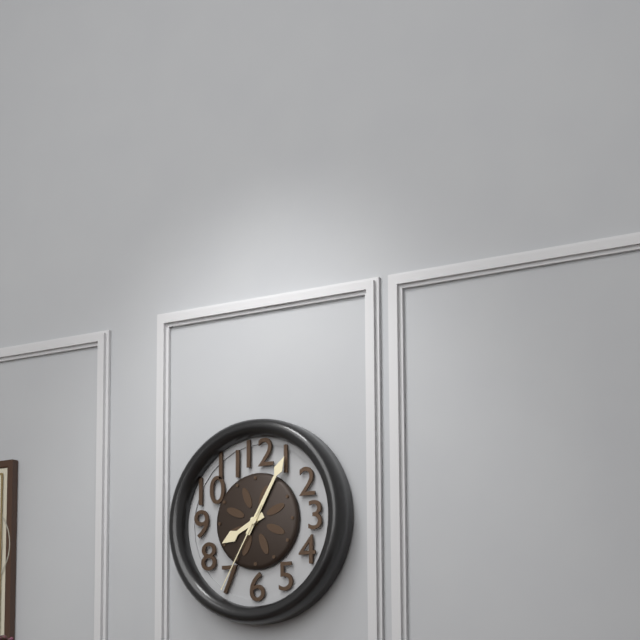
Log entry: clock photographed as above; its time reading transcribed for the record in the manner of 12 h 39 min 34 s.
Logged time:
8 h 05 min 35 s
